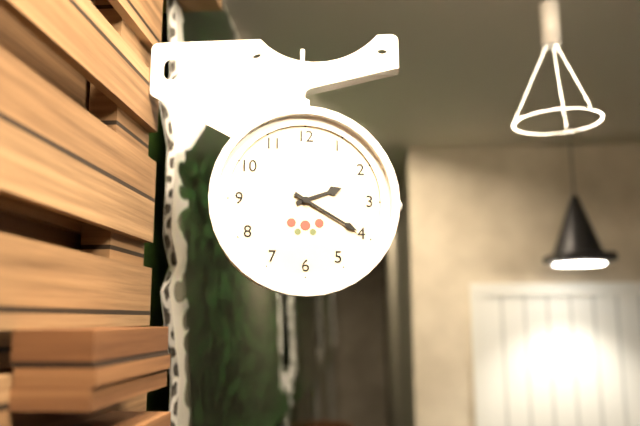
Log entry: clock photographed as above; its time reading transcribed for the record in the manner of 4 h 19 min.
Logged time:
2 h 20 min
